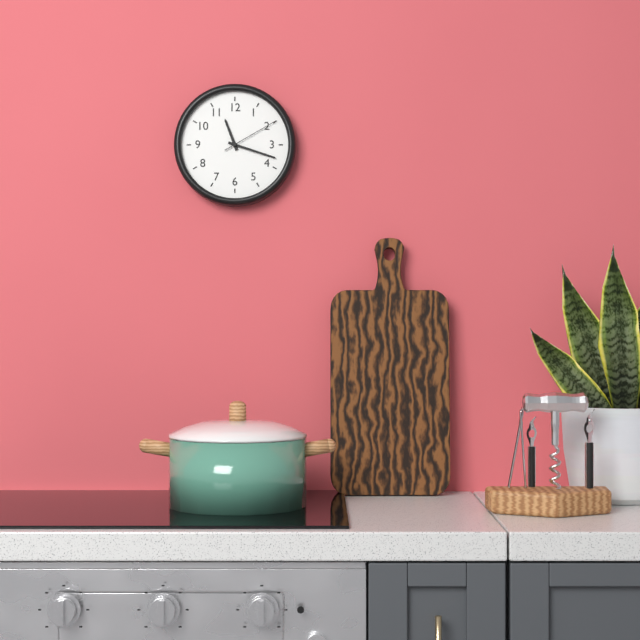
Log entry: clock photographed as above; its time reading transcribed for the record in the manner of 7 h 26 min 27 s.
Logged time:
11 h 18 min 10 s
